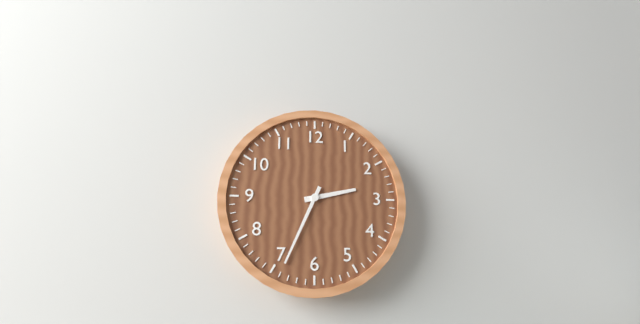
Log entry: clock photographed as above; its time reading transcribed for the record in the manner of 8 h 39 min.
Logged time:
2 h 34 min
